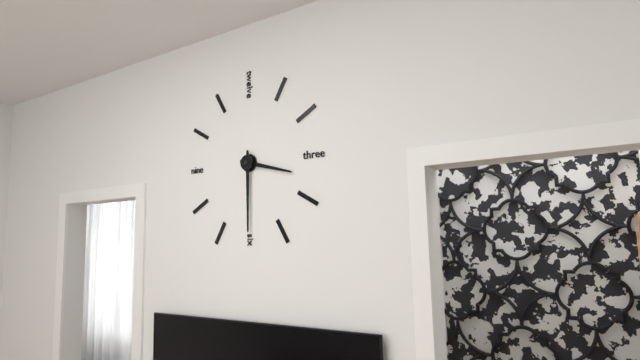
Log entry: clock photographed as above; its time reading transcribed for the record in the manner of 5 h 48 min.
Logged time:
3 h 30 min
